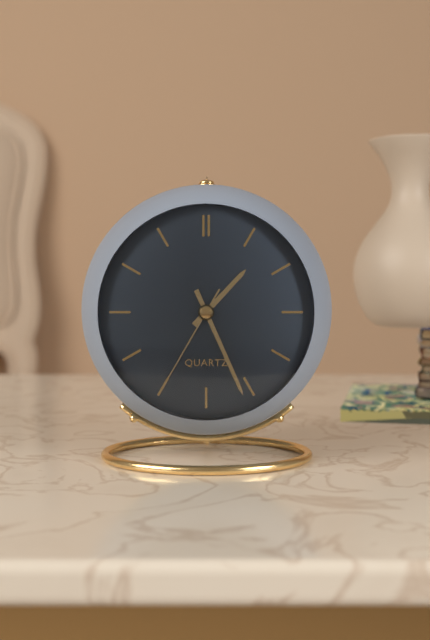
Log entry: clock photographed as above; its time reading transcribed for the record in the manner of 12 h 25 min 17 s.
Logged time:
1 h 26 min 35 s
